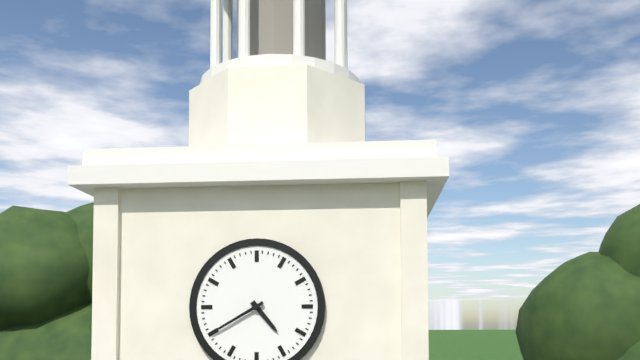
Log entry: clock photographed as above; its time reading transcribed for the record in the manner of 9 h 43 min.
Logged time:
4 h 40 min
